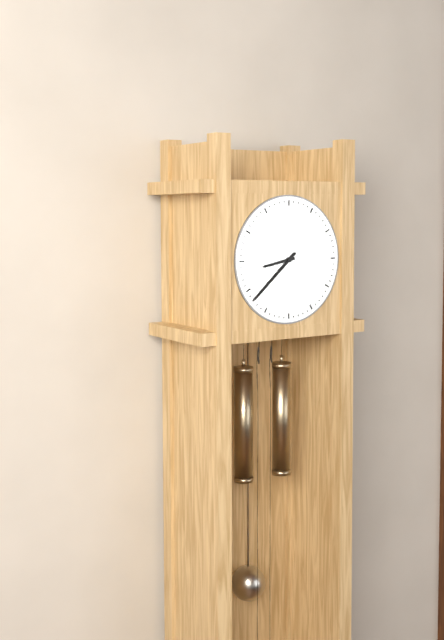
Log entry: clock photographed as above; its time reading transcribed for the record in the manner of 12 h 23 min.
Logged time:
8 h 38 min
